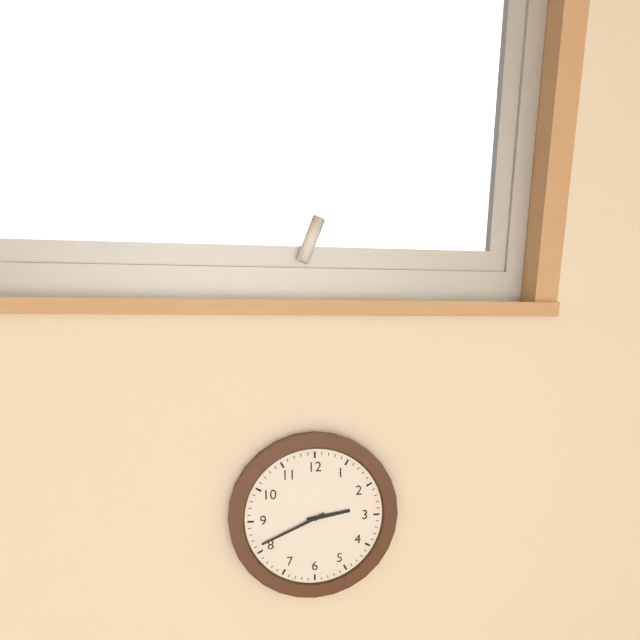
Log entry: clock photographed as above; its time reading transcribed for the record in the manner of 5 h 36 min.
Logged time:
2 h 41 min
